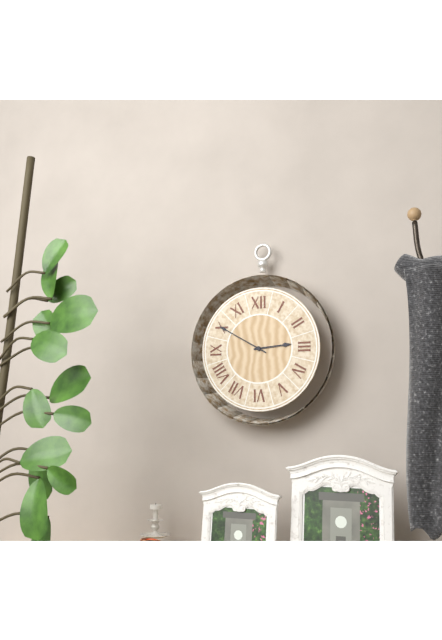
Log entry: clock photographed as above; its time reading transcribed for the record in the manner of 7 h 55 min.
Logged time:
2 h 50 min
